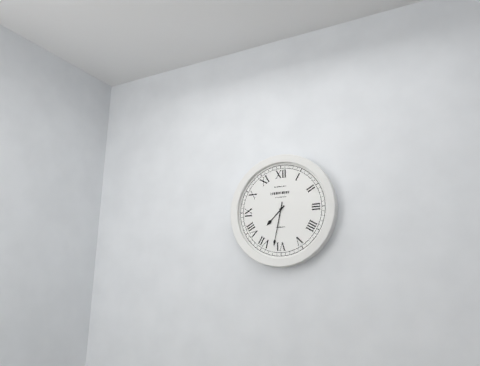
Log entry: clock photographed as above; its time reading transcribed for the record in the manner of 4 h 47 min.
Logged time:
7 h 32 min
